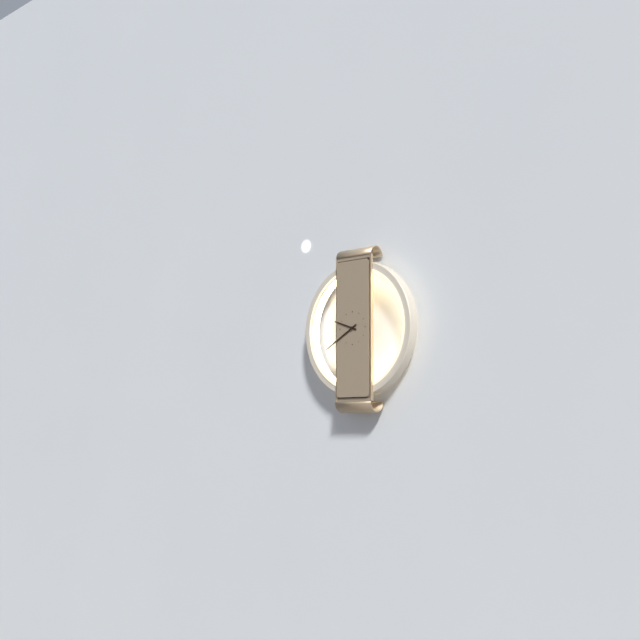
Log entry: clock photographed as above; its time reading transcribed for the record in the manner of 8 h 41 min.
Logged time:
9 h 40 min
